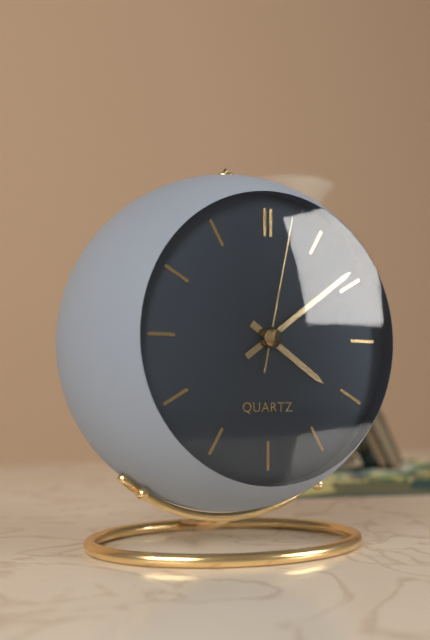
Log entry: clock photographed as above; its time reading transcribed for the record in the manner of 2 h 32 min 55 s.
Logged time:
4 h 09 min 02 s
